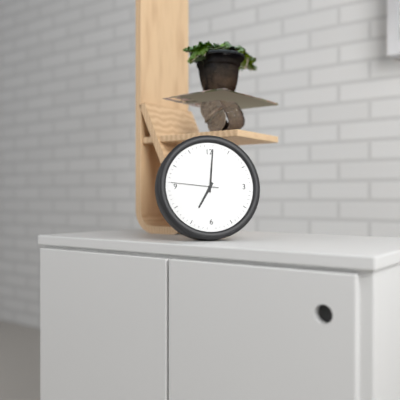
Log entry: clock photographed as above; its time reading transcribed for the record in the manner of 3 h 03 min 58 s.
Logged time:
7 h 01 min 46 s
